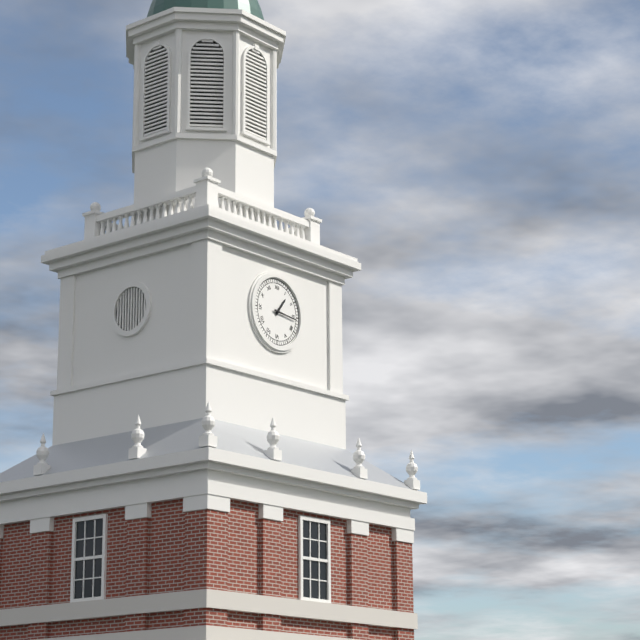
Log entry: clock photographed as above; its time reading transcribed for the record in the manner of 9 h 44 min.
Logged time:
1 h 16 min
